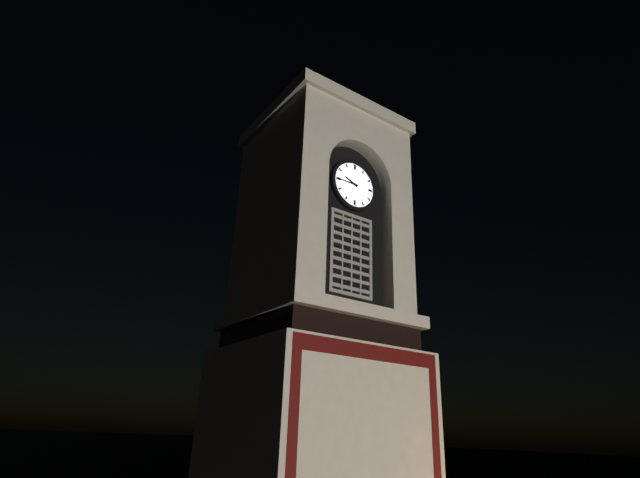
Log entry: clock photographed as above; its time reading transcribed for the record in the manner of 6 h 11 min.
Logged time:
9 h 45 min
